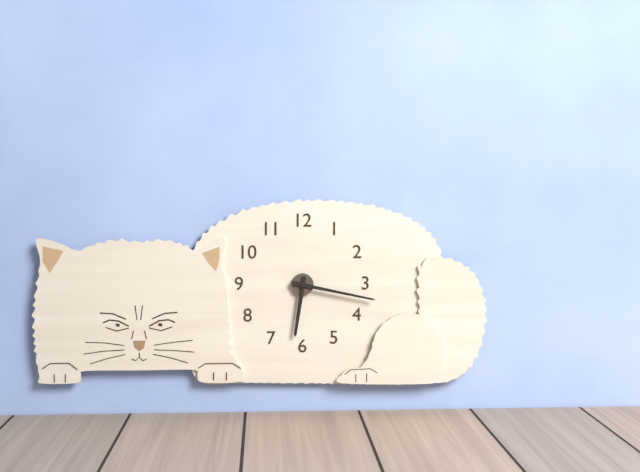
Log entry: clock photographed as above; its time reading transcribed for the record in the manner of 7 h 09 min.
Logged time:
6 h 17 min
